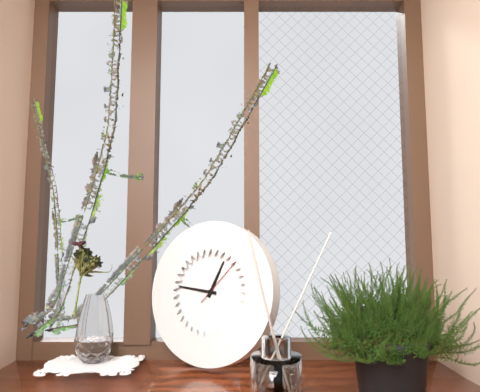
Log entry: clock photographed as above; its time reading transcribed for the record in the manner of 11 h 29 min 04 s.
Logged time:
12 h 46 min 07 s
